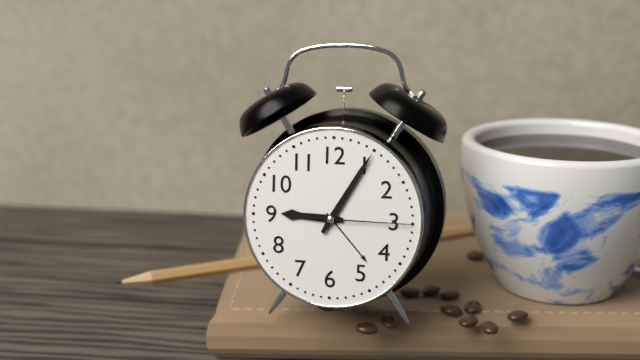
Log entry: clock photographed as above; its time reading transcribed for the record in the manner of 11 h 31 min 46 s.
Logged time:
9 h 05 min 15 s
